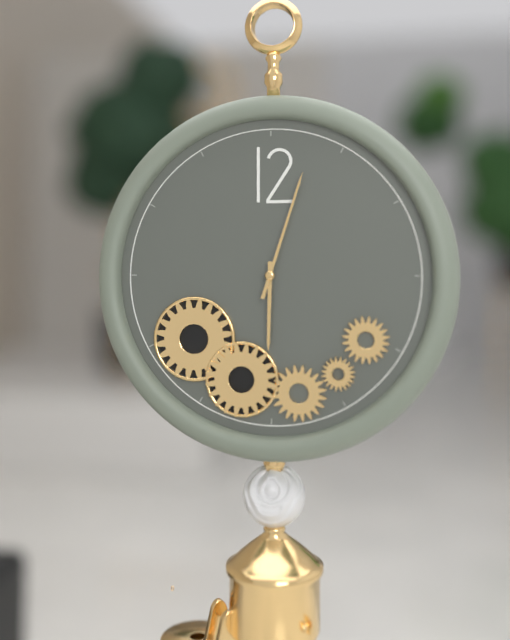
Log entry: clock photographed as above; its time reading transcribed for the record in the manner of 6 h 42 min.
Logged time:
6 h 03 min
